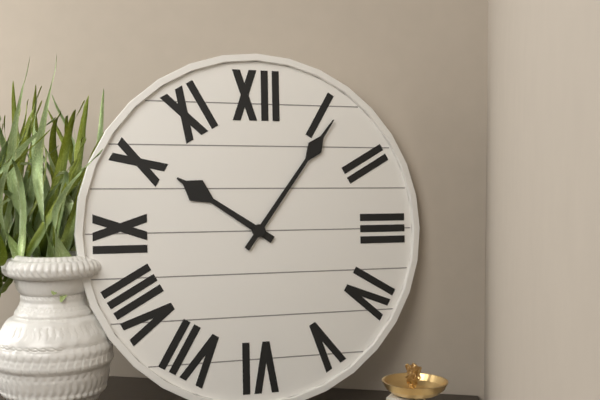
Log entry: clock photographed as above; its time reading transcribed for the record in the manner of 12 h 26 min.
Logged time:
10 h 06 min
